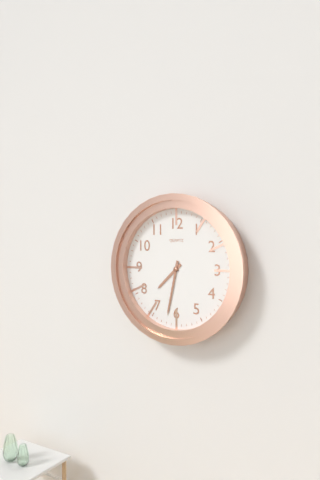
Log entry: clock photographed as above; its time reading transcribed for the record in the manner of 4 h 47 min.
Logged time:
7 h 32 min
